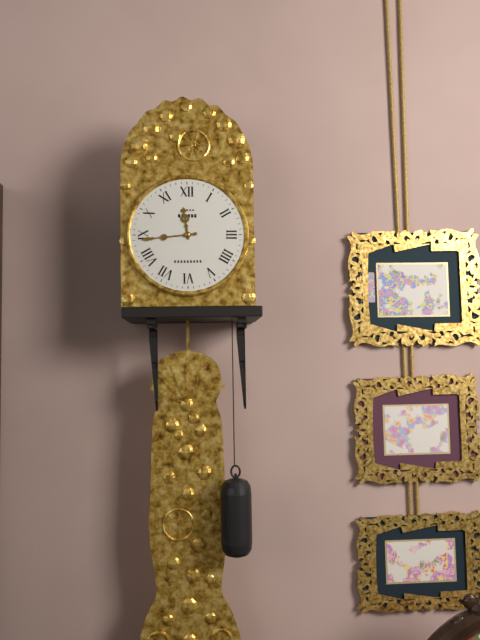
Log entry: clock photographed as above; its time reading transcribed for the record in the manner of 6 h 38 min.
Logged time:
11 h 44 min
